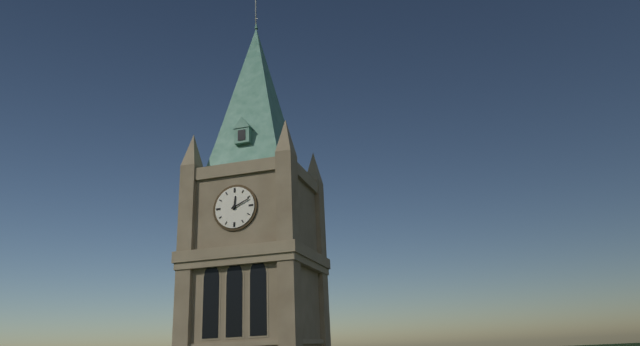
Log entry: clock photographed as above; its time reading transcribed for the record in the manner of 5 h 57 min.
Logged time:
12 h 11 min
